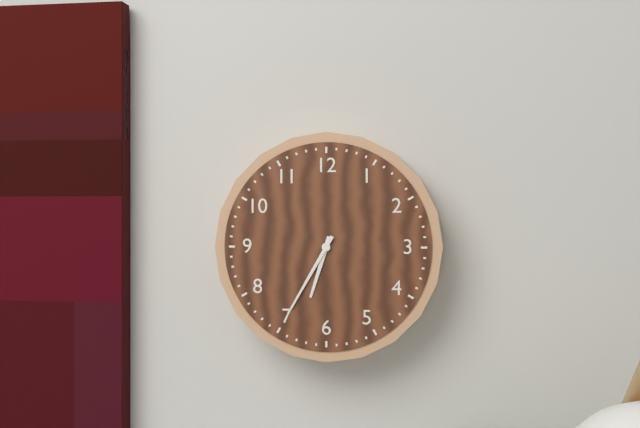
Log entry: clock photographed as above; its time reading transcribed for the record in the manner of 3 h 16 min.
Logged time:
6 h 35 min
